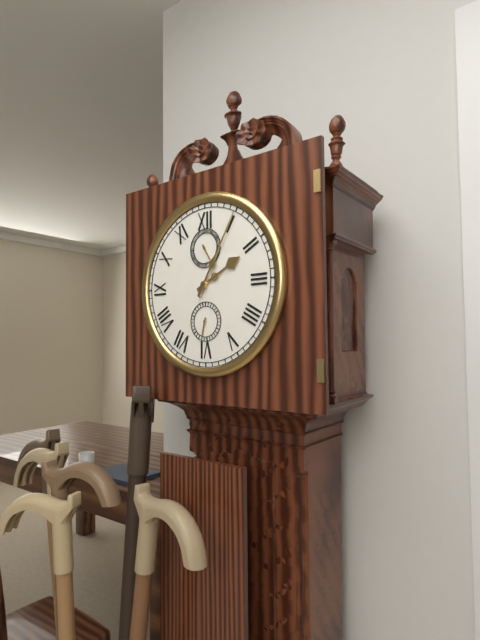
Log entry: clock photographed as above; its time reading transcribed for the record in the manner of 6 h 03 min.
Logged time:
2 h 05 min
